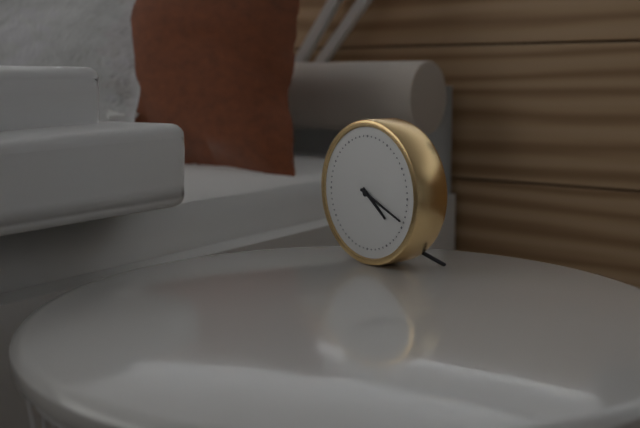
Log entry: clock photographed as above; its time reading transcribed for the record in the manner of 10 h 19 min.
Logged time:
4 h 19 min
